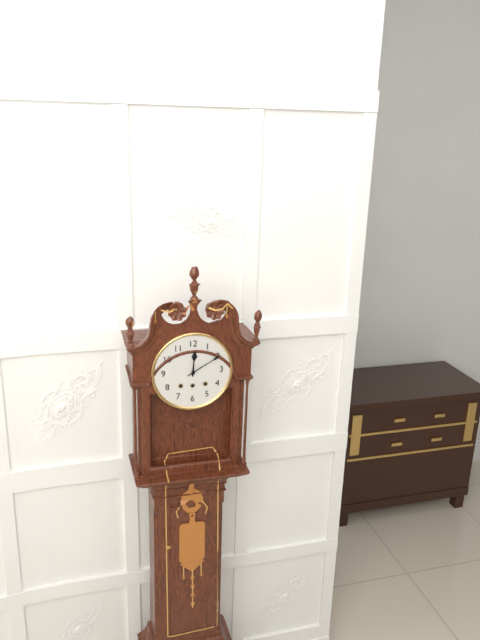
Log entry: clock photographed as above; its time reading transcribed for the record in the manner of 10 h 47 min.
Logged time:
12 h 10 min
